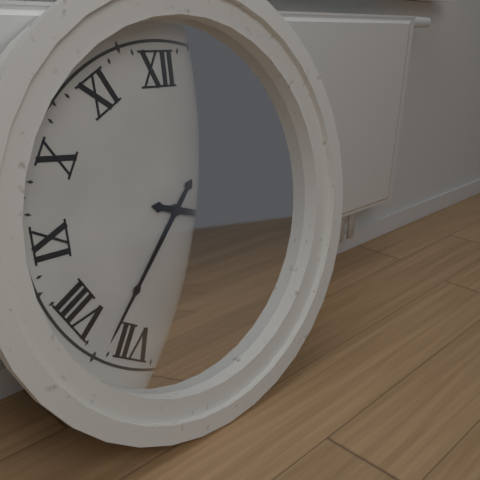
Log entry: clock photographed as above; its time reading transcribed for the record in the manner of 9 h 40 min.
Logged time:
3 h 37 min
